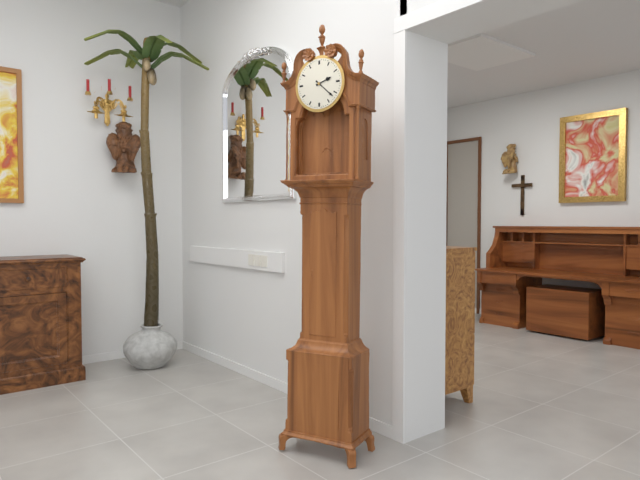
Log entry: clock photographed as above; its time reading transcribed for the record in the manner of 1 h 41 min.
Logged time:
2 h 22 min
